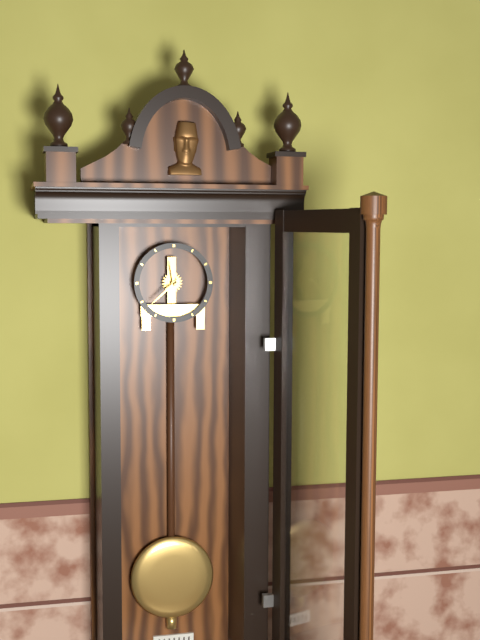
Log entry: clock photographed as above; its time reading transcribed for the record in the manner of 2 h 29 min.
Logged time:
11 h 38 min
